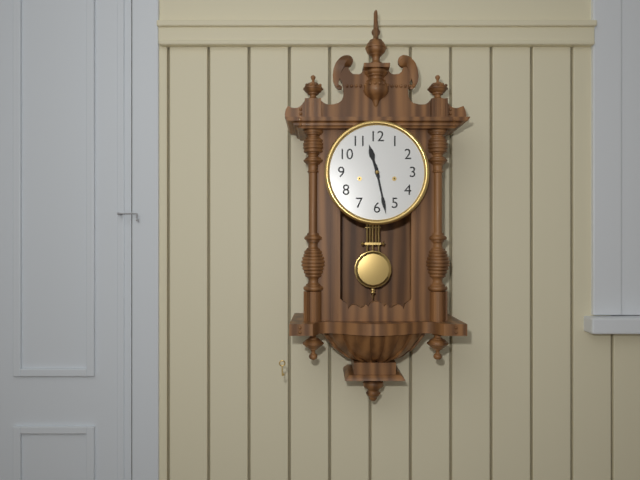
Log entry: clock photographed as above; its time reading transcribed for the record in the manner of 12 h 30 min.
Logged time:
11 h 28 min
